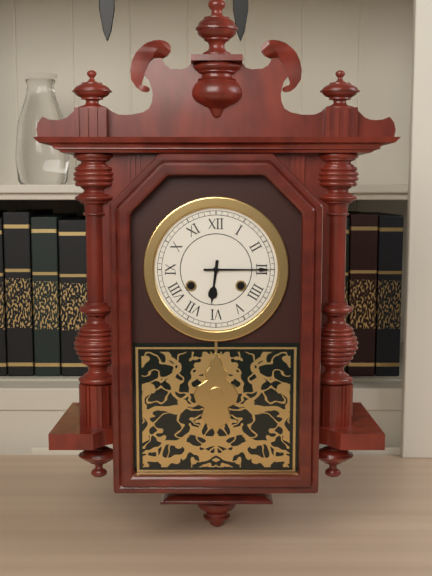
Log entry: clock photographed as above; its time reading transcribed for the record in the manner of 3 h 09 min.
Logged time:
6 h 15 min
